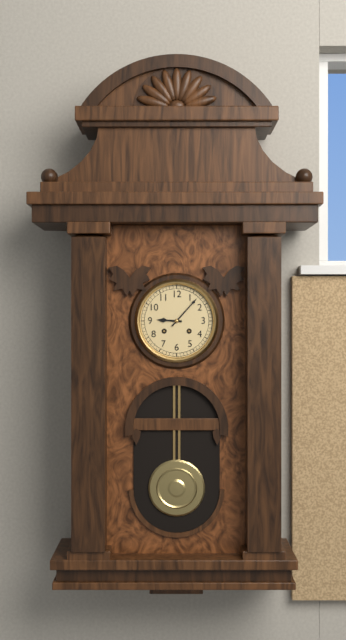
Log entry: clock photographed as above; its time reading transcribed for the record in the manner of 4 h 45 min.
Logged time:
9 h 07 min
